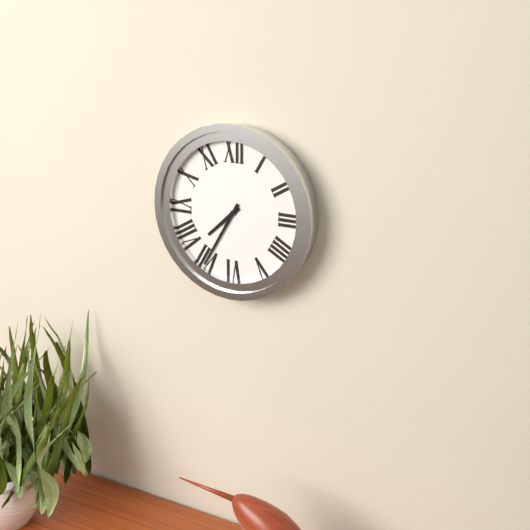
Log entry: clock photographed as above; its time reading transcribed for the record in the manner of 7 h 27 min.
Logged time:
7 h 35 min
